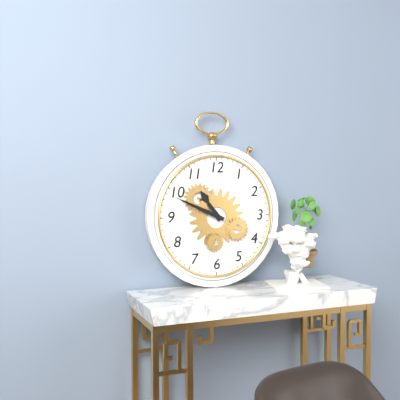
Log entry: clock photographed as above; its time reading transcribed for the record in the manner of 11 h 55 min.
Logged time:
10 h 49 min
